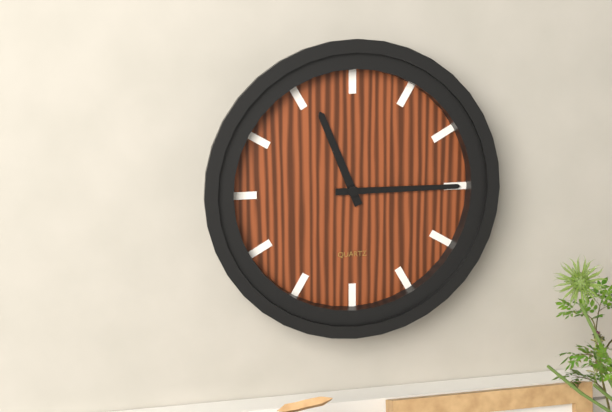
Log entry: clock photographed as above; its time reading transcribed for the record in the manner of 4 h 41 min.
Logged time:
11 h 15 min
